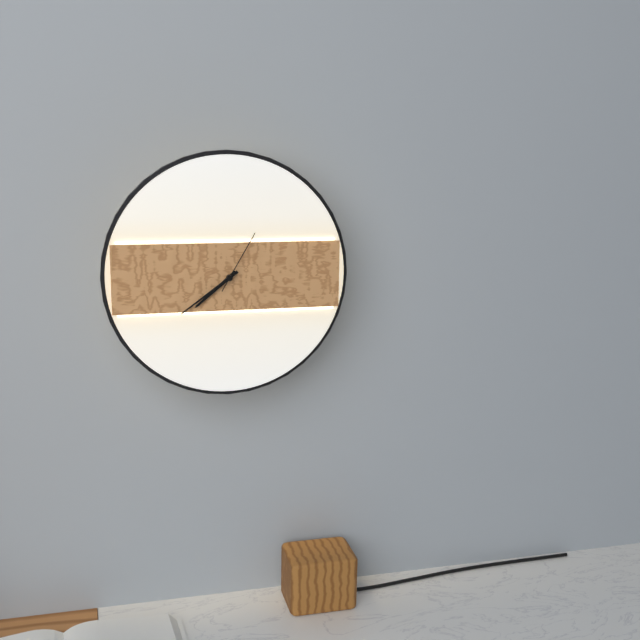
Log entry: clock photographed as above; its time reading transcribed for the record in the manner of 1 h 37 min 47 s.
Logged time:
7 h 39 min 05 s
